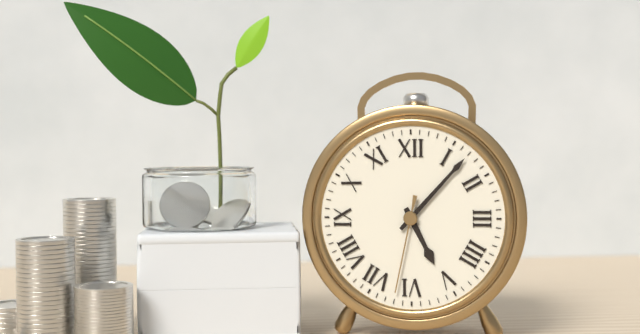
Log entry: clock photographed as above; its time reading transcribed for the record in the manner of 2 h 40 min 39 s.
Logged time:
5 h 07 min 32 s
